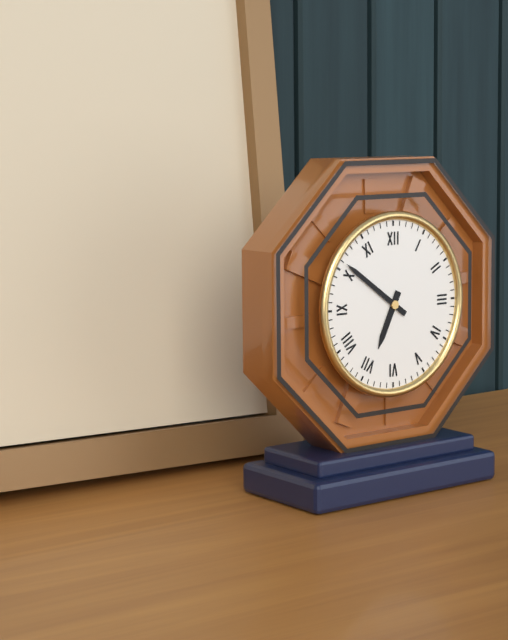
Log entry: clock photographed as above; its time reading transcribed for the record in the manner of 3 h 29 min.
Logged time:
6 h 51 min
